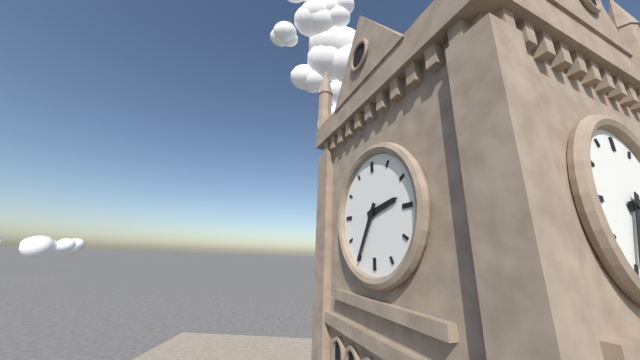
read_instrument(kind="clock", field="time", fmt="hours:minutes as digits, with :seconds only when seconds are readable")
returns 2:35
